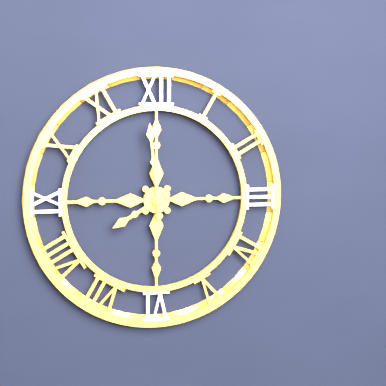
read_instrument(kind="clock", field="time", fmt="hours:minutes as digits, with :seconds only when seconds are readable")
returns 7:59
